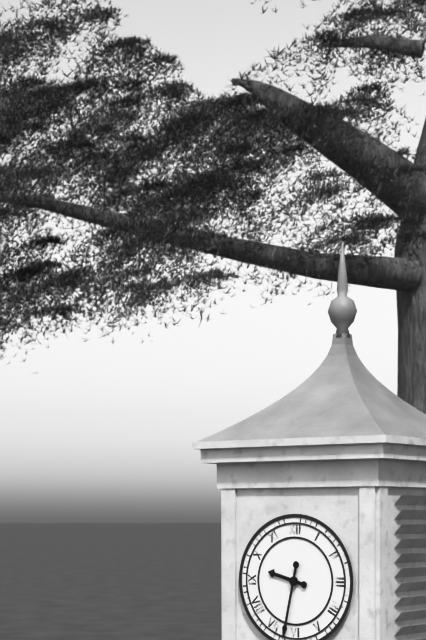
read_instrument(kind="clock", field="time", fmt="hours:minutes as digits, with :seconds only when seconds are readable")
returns 9:32
